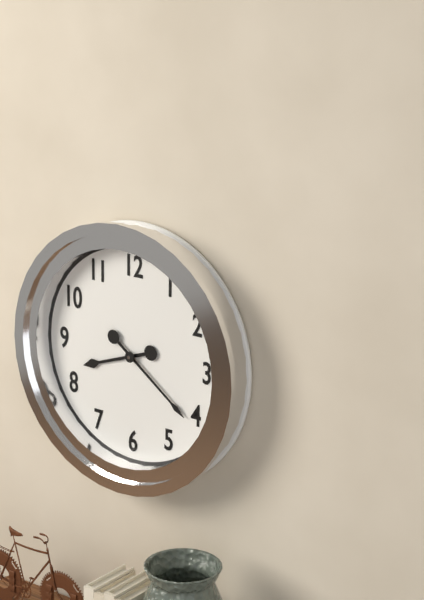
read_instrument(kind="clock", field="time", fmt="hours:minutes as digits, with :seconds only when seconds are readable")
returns 8:21
